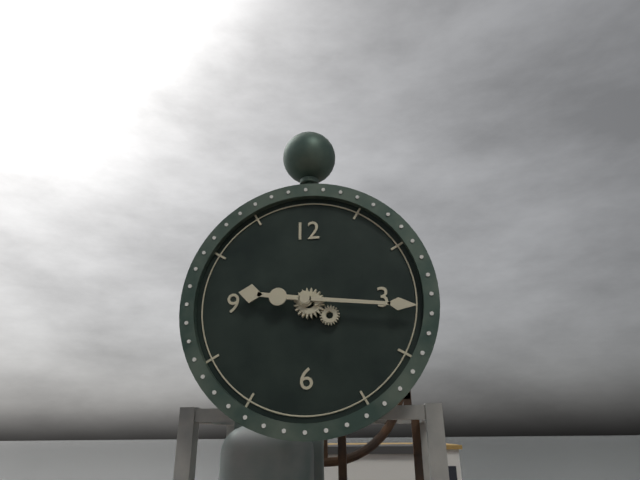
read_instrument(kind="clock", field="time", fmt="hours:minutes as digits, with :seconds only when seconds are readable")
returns 9:16
